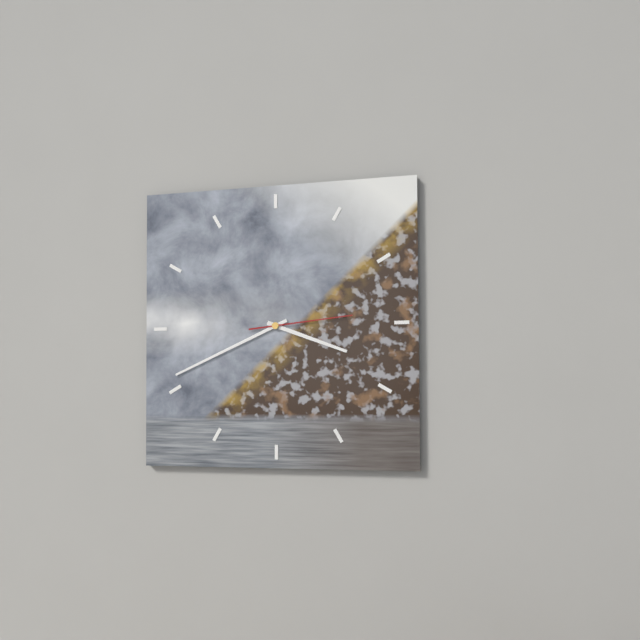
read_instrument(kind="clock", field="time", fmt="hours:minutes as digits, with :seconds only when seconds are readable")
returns 3:41:14
